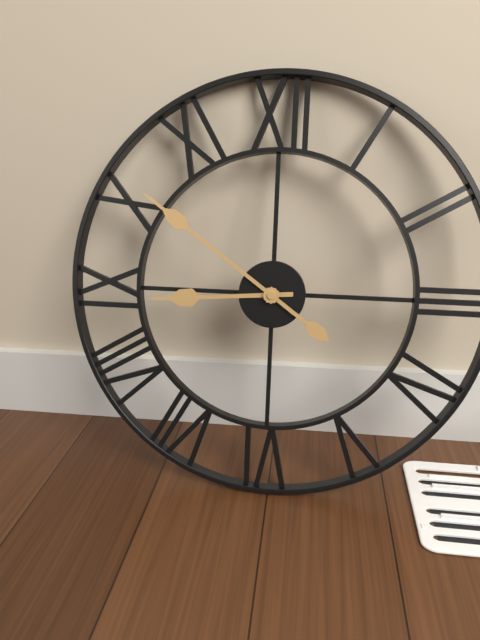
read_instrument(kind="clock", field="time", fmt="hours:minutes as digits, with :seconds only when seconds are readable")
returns 8:51
